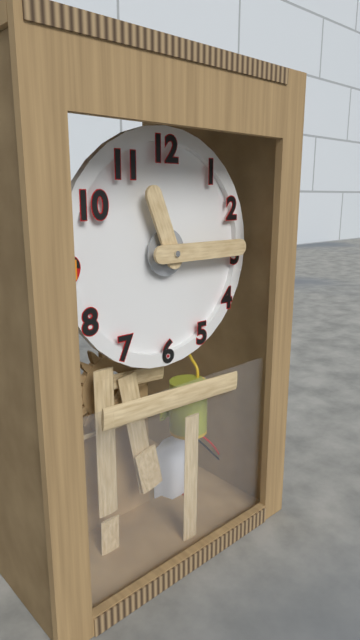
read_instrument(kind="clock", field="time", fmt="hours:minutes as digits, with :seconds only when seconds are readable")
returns 11:15
